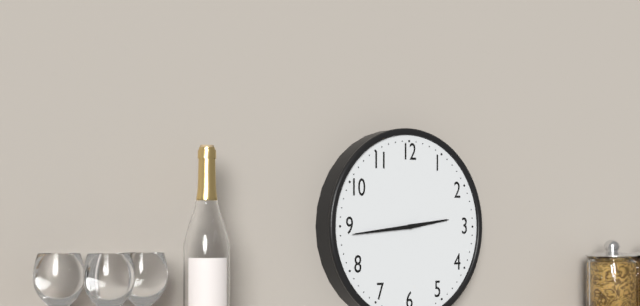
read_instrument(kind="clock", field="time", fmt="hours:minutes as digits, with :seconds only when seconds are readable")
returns 2:44
